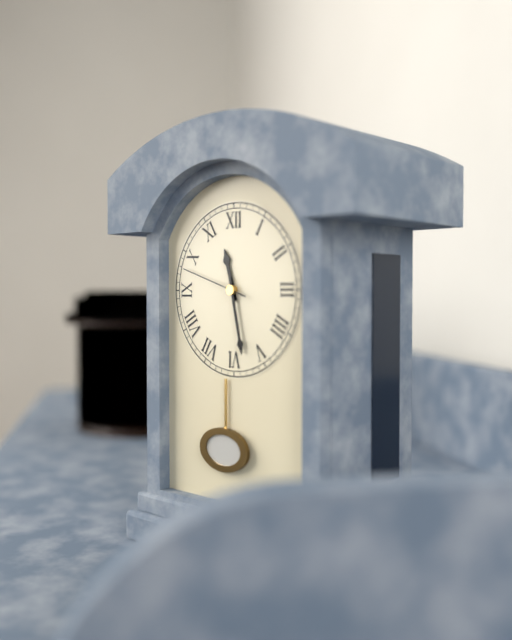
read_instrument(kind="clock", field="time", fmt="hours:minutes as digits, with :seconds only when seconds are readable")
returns 11:28:48
